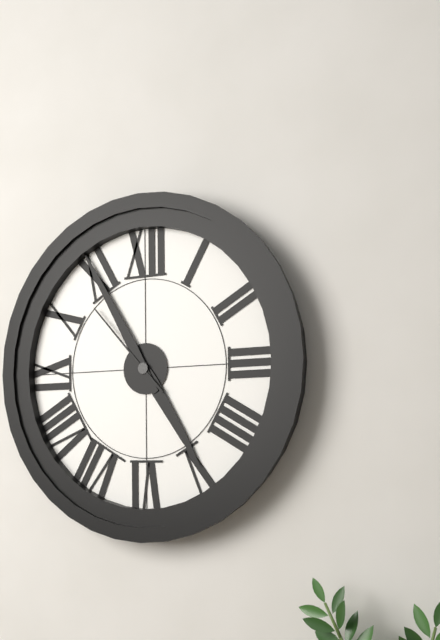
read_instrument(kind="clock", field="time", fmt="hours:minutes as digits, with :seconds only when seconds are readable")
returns 4:55:53
